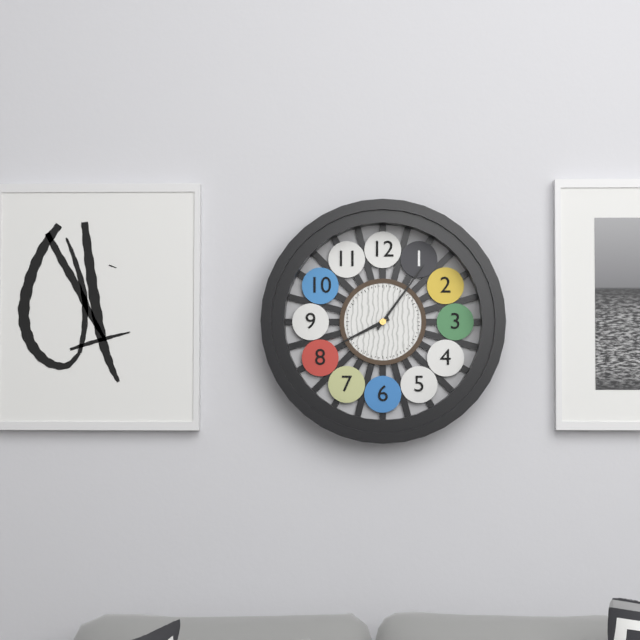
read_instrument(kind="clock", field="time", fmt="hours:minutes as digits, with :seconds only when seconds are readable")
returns 8:06
